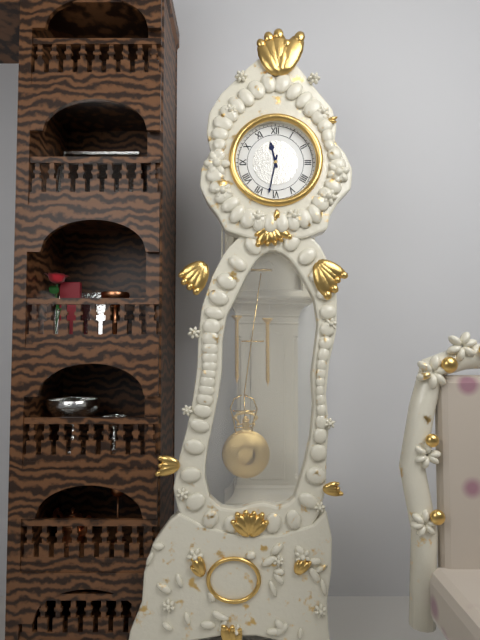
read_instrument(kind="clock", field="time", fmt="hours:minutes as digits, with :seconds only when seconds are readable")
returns 11:32
